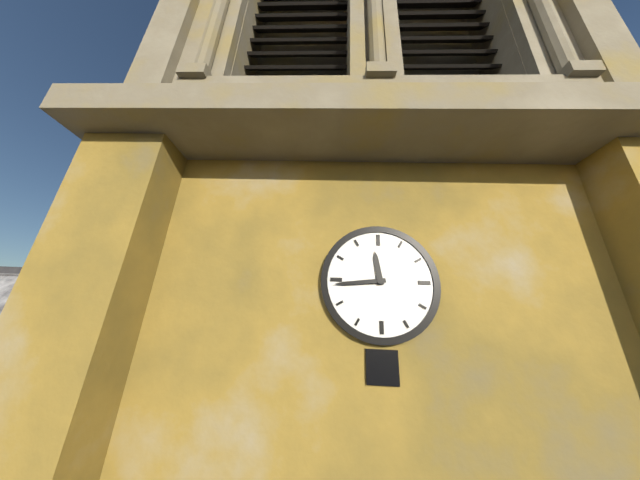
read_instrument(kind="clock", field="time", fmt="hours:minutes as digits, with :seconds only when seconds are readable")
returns 11:44
